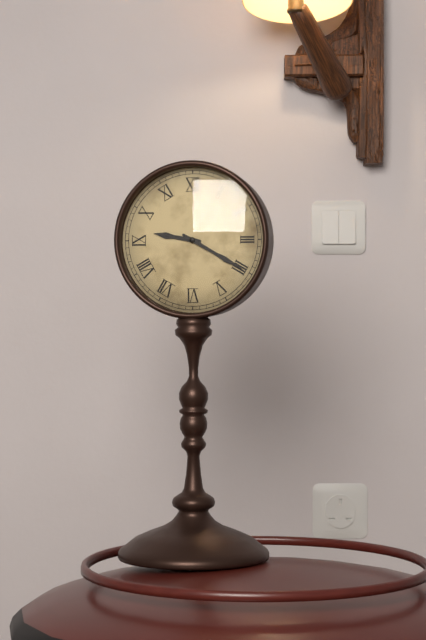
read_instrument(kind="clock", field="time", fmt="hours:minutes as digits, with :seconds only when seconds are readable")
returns 9:20
